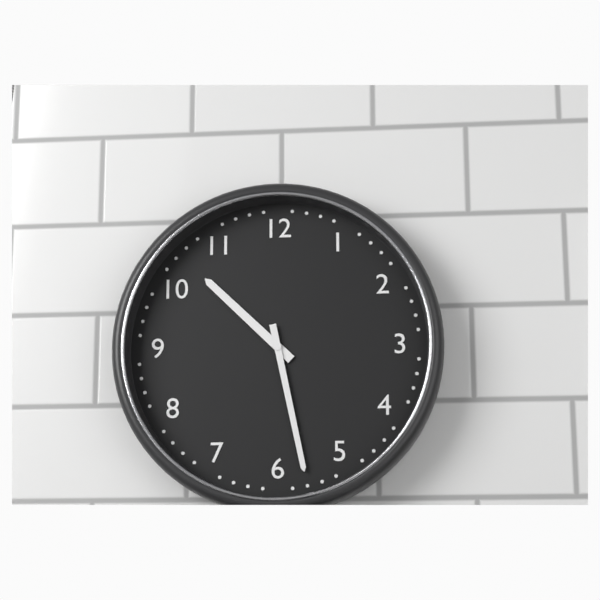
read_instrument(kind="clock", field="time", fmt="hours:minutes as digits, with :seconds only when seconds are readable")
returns 10:28
